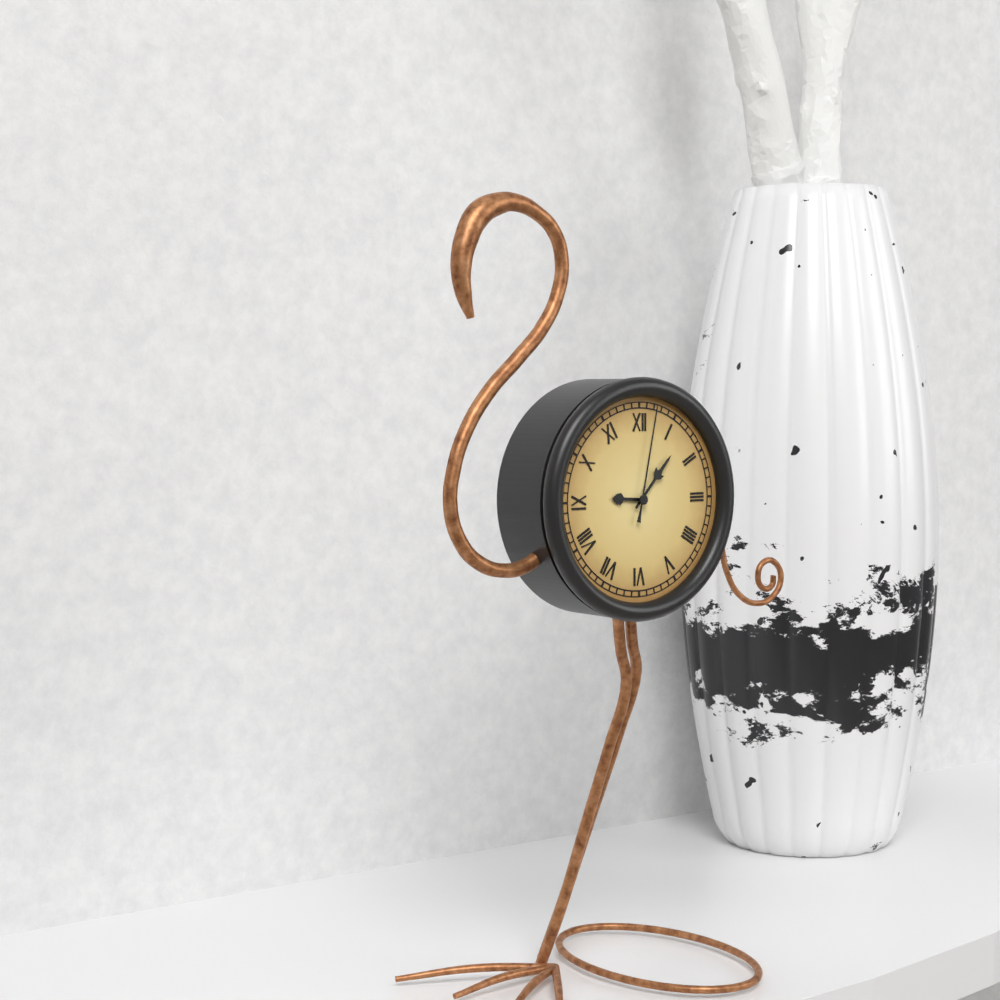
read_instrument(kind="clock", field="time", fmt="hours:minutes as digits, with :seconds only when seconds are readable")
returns 9:07:02
